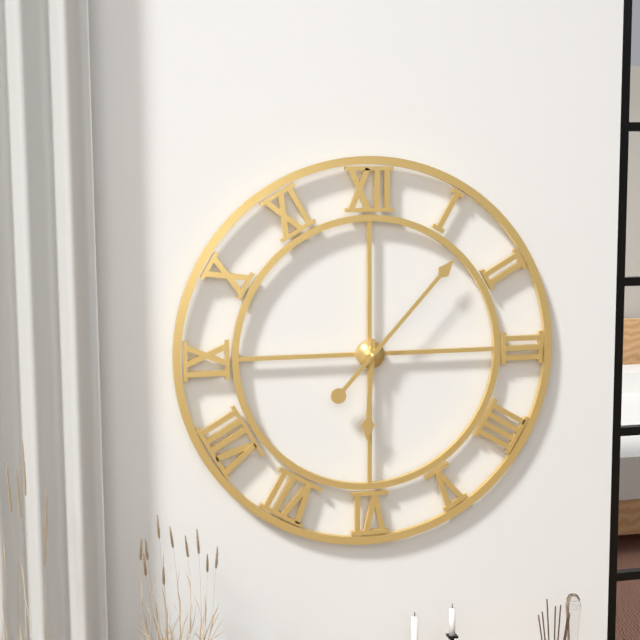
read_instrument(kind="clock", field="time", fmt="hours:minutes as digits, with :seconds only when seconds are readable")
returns 6:07
